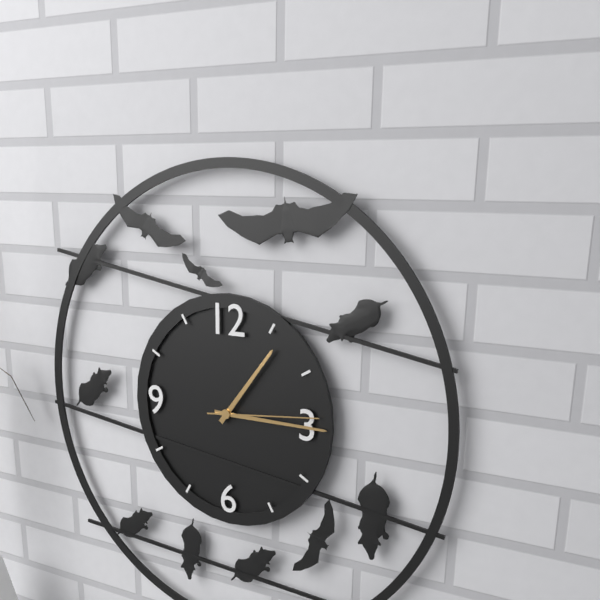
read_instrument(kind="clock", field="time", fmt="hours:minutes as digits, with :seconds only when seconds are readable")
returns 1:15:14
